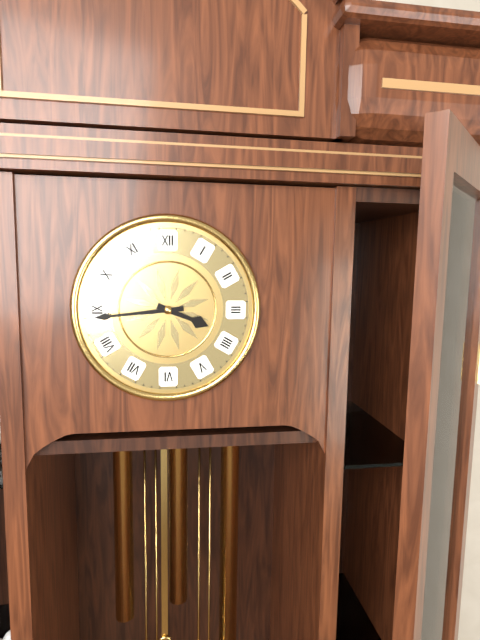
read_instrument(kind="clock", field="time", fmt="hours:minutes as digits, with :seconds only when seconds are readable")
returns 3:44
